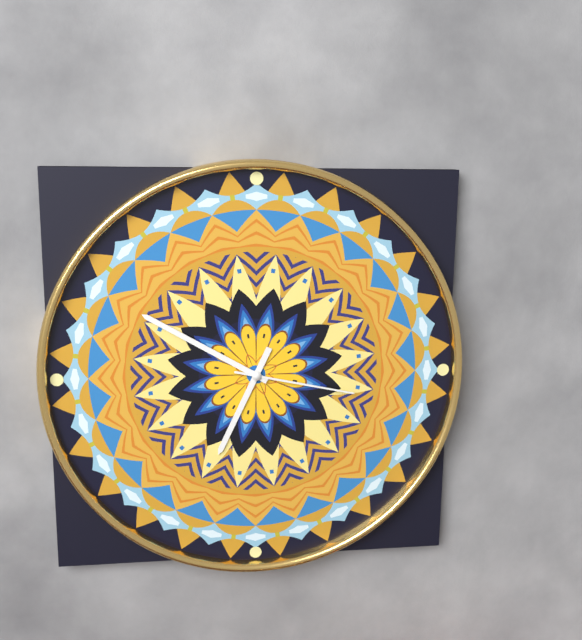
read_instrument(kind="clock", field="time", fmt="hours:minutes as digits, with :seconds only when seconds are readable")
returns 6:50:17
